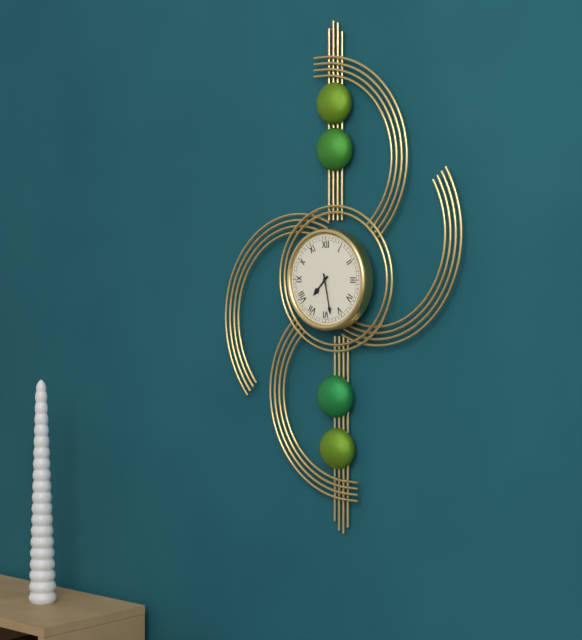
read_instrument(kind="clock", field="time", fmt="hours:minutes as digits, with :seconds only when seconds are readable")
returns 7:28
